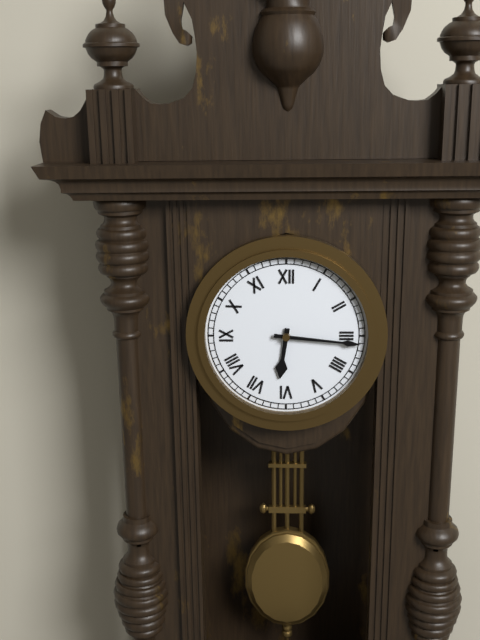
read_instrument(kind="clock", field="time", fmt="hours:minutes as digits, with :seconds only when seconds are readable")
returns 6:16
